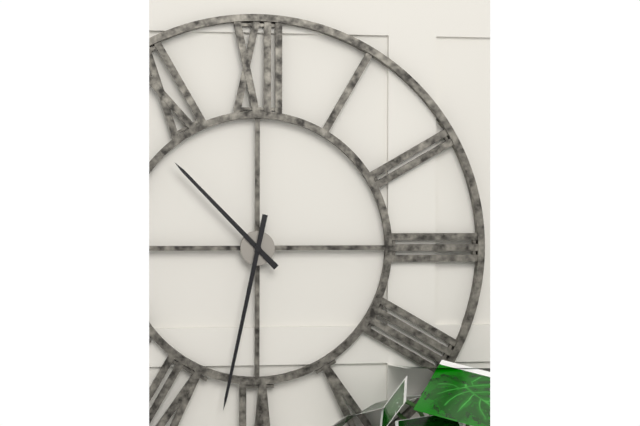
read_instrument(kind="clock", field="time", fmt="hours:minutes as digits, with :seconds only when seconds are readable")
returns 10:32
